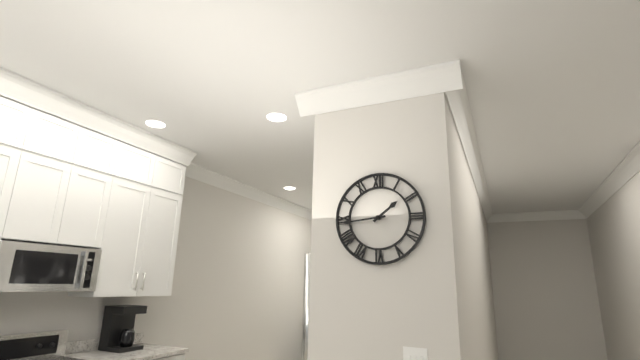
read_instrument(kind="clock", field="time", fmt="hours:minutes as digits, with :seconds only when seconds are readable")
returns 1:44
